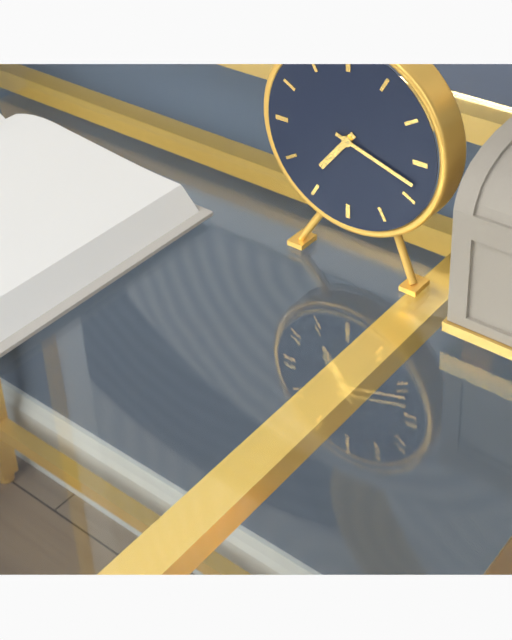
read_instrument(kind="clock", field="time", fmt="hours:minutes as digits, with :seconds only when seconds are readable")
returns 7:18
